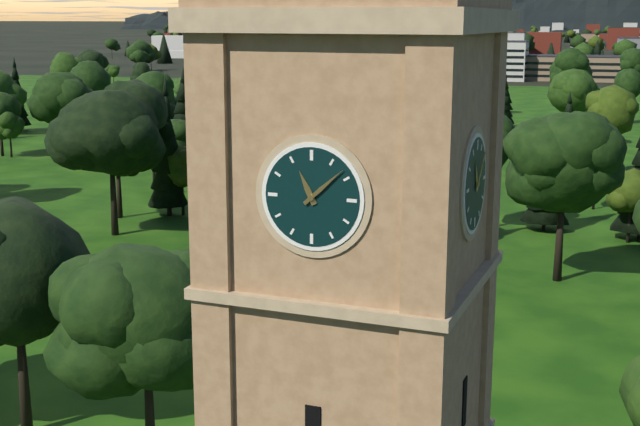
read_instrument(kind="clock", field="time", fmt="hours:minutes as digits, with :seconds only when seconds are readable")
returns 11:08
